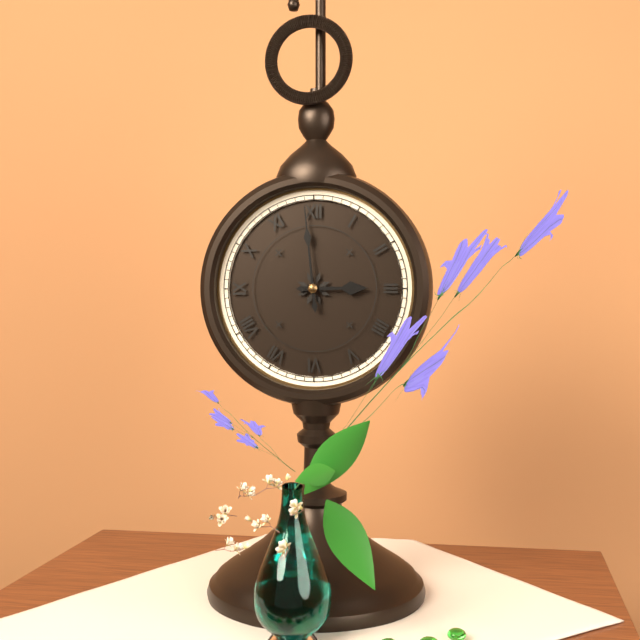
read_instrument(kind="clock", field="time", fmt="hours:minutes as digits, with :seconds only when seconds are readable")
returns 2:59
